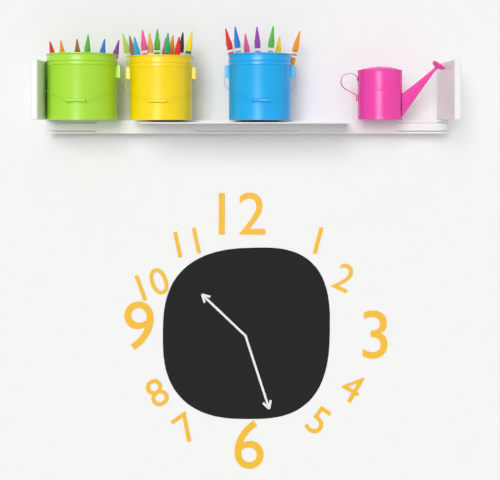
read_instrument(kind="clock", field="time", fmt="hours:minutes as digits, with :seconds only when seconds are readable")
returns 10:27
